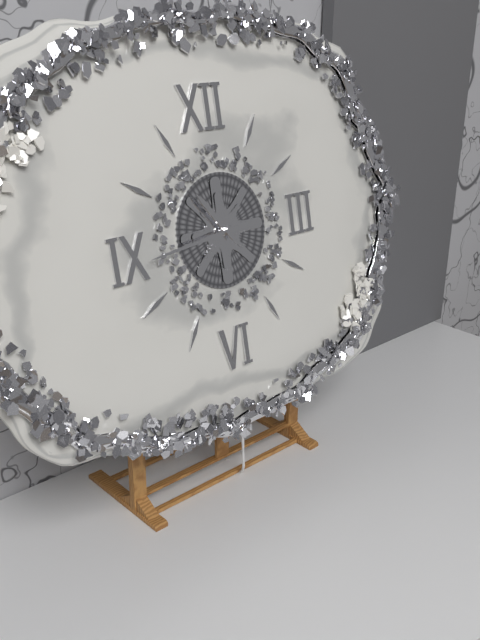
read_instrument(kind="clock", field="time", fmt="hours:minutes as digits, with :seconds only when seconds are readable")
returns 10:44
